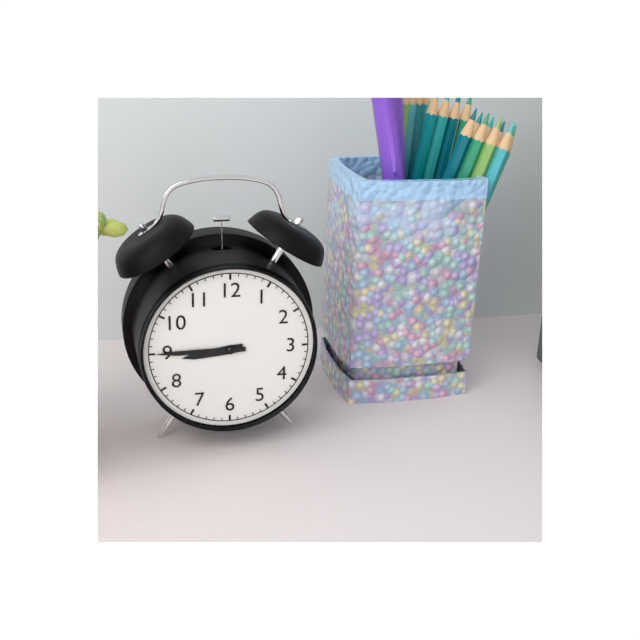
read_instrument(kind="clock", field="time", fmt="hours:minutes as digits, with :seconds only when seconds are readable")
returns 8:45
